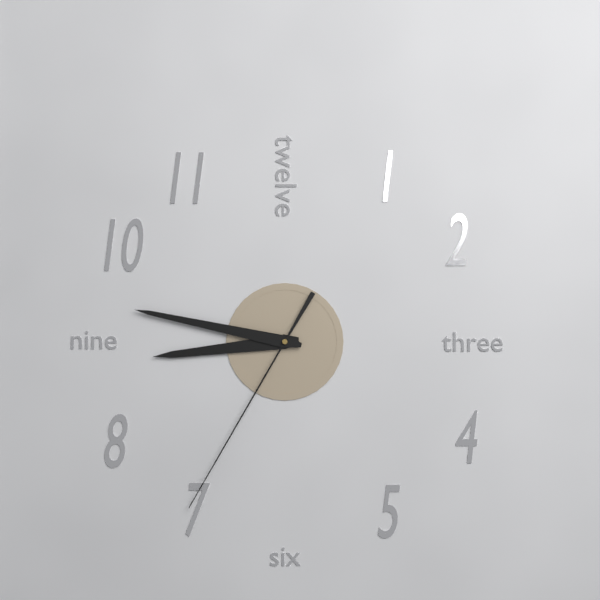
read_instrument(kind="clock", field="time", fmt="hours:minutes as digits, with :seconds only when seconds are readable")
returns 8:47:35
